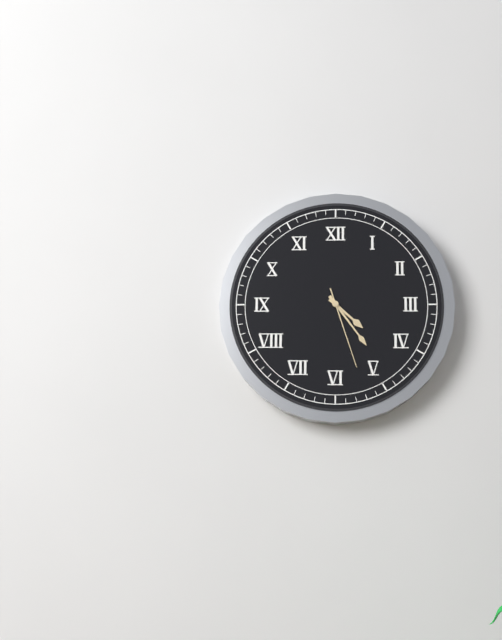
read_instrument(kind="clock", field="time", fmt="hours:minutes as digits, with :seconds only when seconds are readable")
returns 4:24:27
